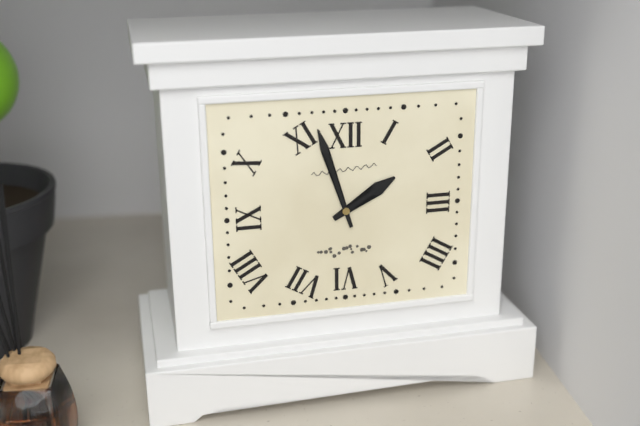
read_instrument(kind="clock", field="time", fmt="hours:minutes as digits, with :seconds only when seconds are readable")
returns 1:57
